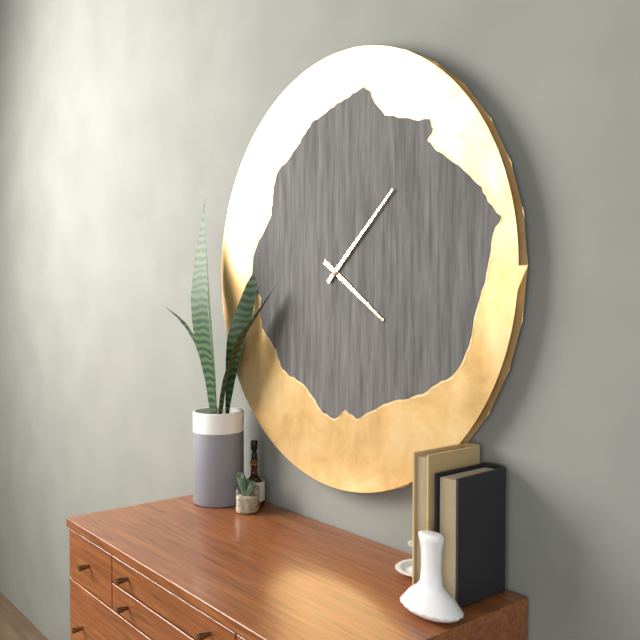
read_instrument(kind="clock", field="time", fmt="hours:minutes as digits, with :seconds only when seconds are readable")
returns 4:08
